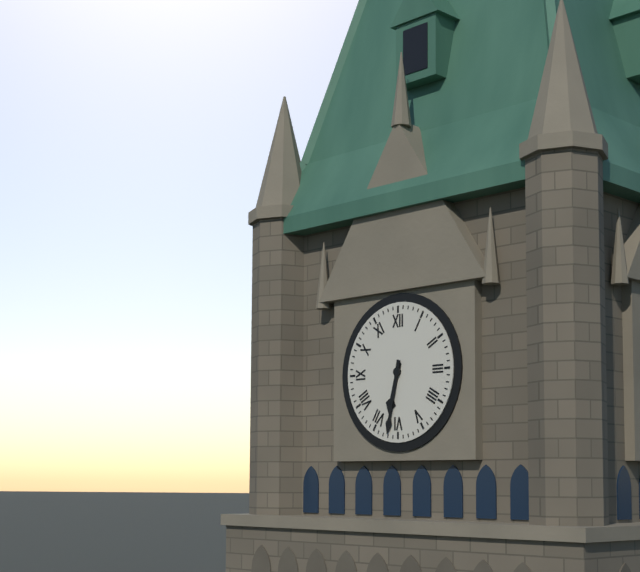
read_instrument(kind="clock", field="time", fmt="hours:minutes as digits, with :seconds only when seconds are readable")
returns 6:32
